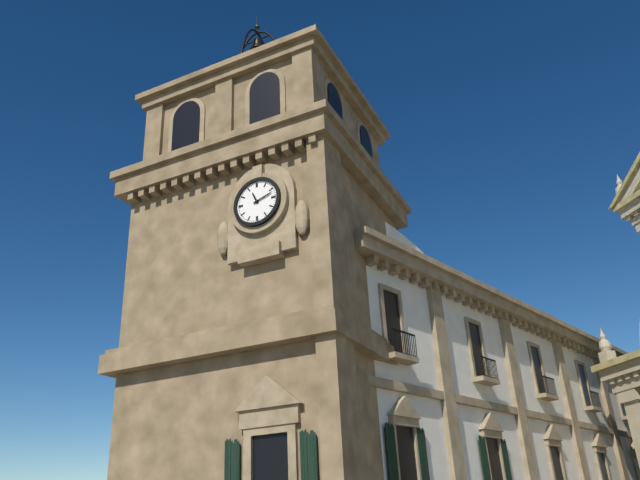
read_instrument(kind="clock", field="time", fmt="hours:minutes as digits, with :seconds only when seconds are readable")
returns 11:12
